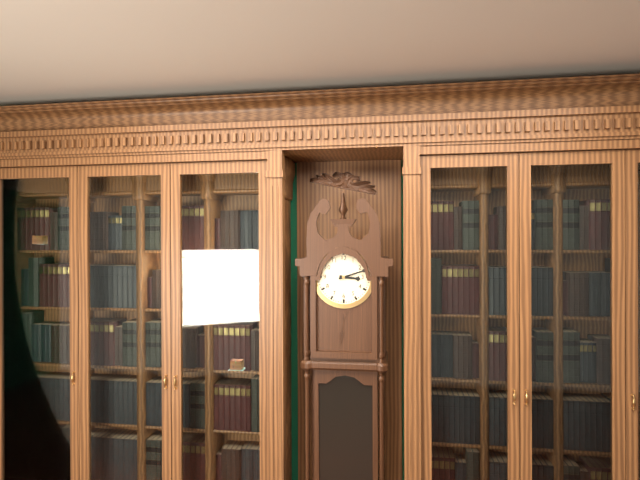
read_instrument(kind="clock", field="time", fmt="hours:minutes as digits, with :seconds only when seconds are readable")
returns 3:12
